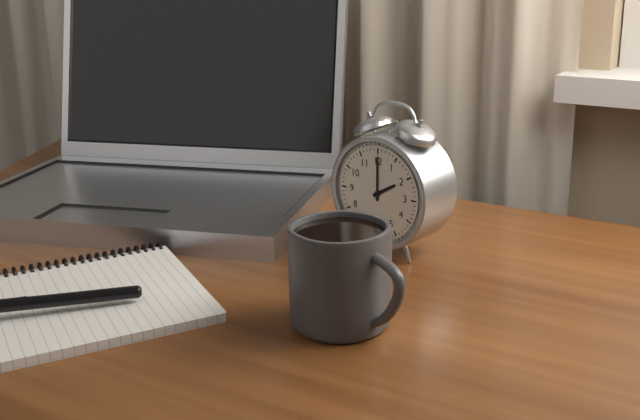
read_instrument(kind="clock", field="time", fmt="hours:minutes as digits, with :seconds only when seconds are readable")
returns 2:00
